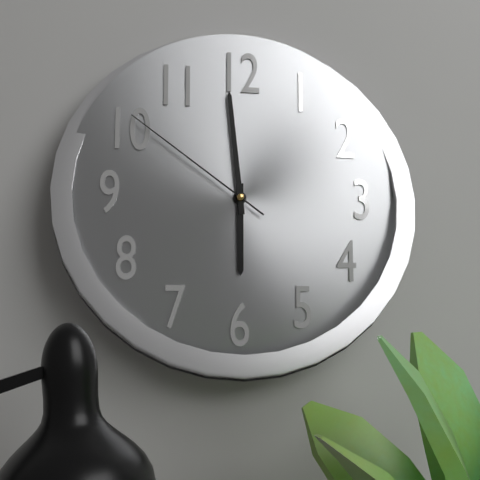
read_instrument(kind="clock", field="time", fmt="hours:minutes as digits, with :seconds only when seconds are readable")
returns 5:59:51
